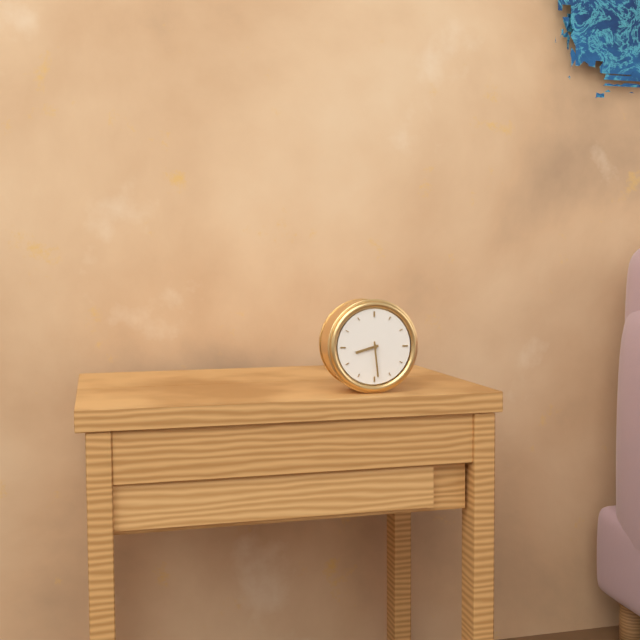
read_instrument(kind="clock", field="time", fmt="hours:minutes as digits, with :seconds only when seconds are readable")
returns 8:29
